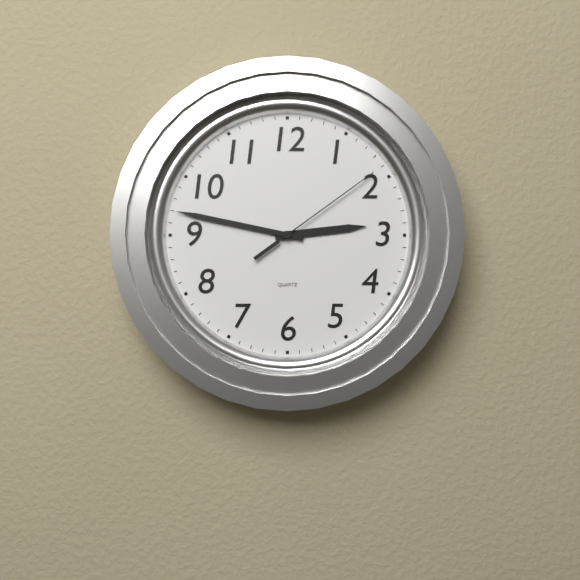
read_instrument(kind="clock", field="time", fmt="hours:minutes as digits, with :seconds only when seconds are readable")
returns 2:47:09
